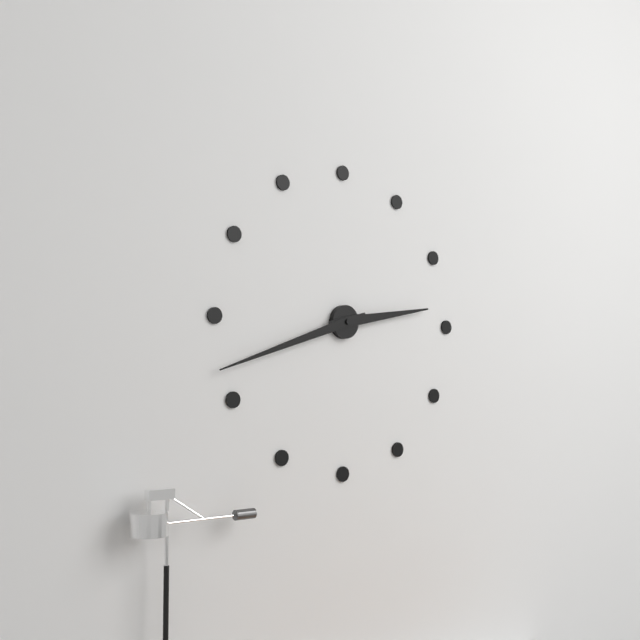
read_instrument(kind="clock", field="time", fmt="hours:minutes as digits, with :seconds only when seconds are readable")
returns 2:42
